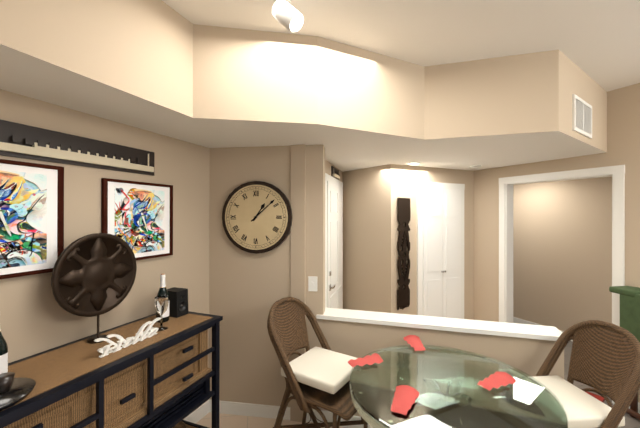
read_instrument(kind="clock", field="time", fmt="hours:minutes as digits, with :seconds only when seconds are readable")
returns 1:08
